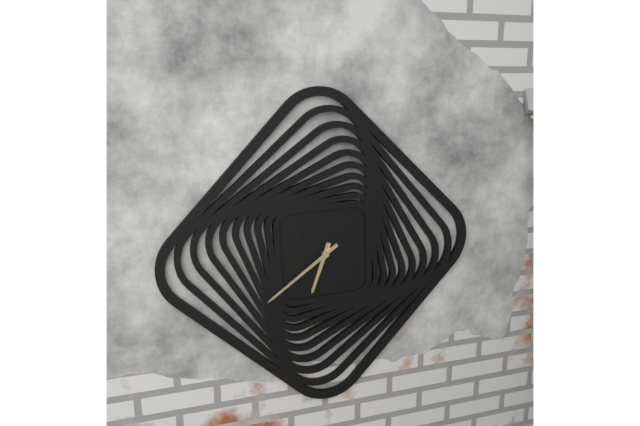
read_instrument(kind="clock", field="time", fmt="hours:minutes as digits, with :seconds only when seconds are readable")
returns 6:39
